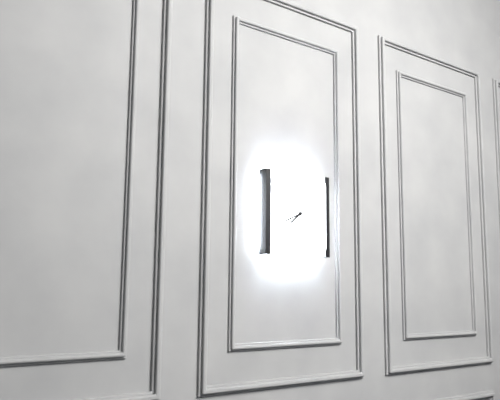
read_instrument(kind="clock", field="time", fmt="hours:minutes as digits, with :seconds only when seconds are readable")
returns 7:41
